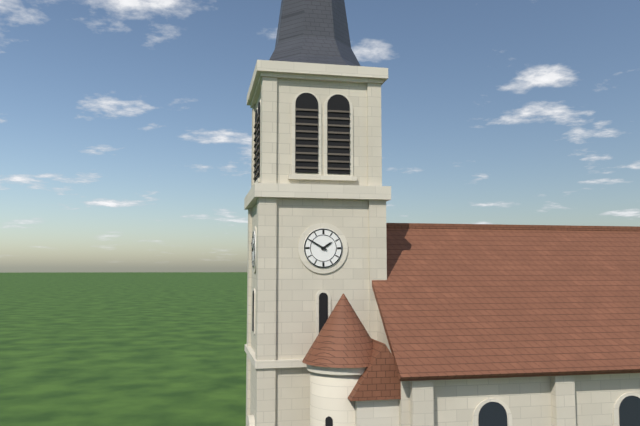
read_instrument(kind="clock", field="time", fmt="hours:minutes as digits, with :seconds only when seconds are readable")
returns 1:50
